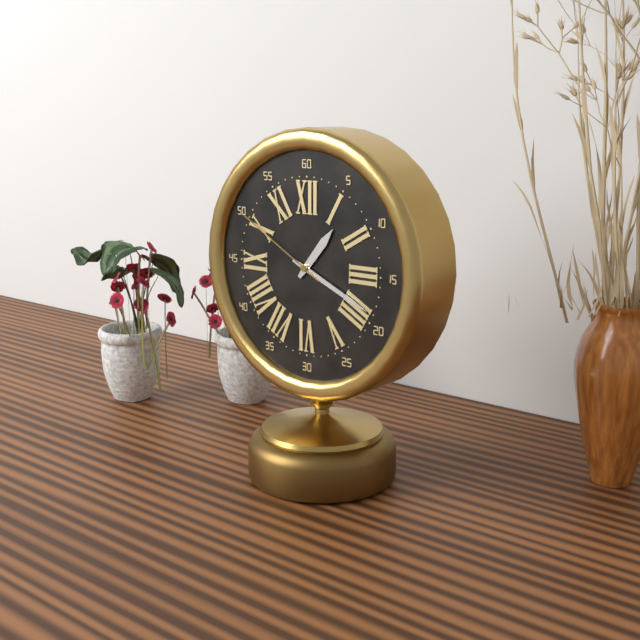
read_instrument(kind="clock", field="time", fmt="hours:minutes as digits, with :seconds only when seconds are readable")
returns 1:19:50
